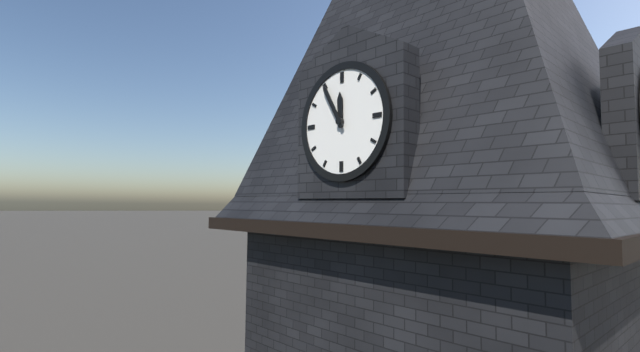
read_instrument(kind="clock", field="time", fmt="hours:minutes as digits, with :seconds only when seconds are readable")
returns 11:55
